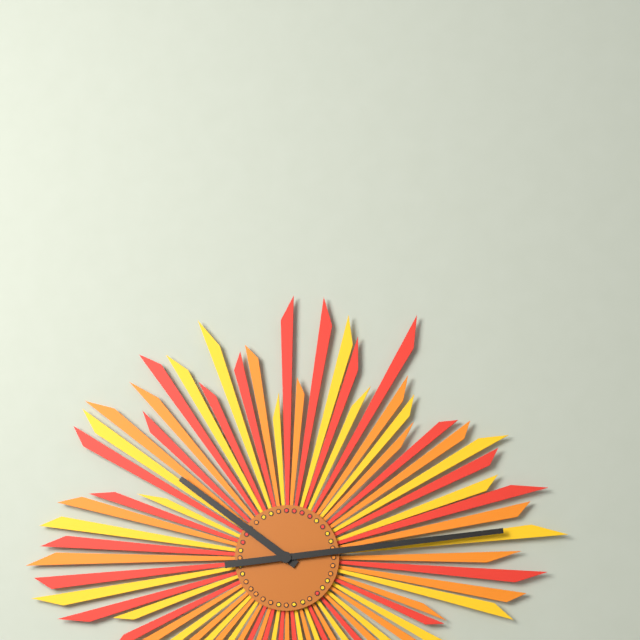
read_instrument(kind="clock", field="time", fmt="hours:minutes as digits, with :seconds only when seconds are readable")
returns 10:14
